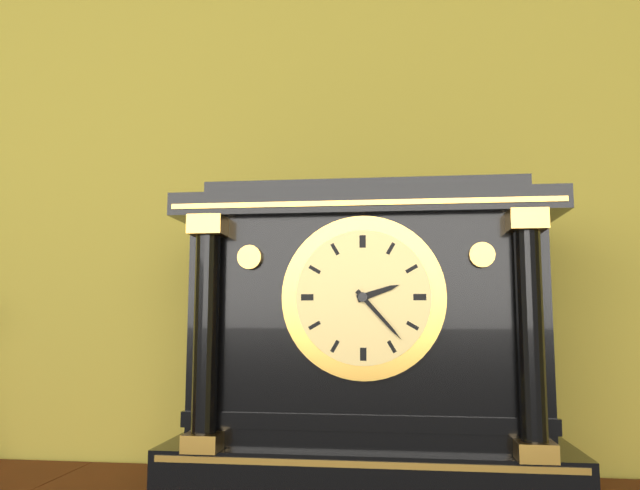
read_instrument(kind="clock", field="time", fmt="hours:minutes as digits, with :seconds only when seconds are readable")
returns 2:23
